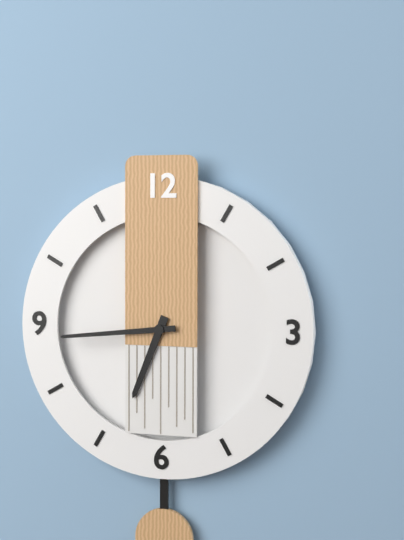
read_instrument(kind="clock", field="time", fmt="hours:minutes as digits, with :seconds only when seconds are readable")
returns 6:44
